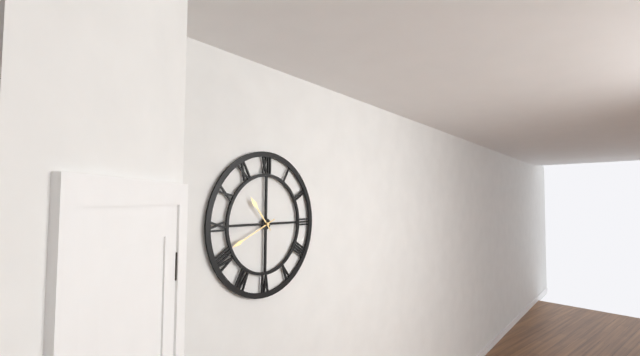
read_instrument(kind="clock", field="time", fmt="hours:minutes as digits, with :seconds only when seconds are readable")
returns 10:41
